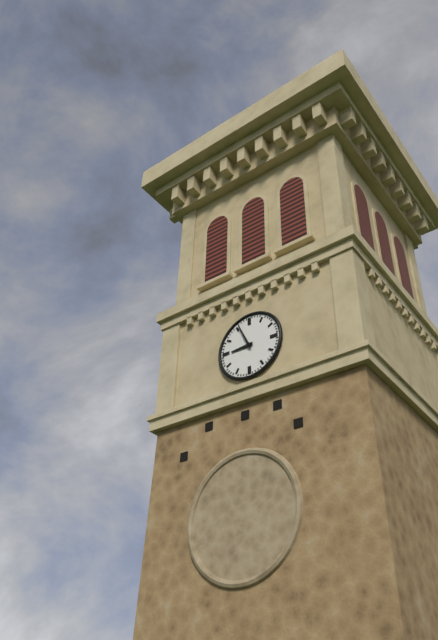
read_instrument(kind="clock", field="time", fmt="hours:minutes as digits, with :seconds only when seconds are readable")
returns 8:56
